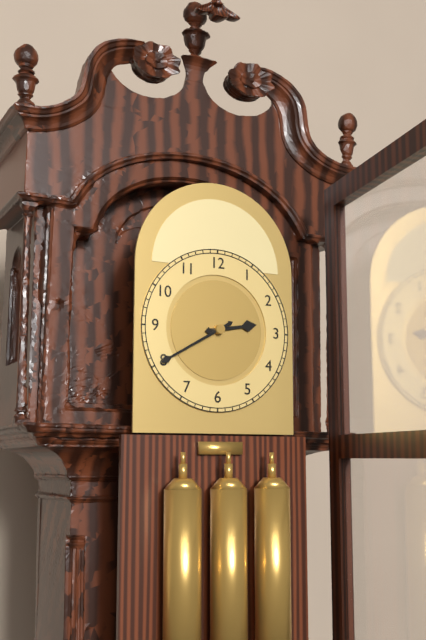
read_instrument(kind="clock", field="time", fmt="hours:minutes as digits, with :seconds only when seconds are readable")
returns 2:40
